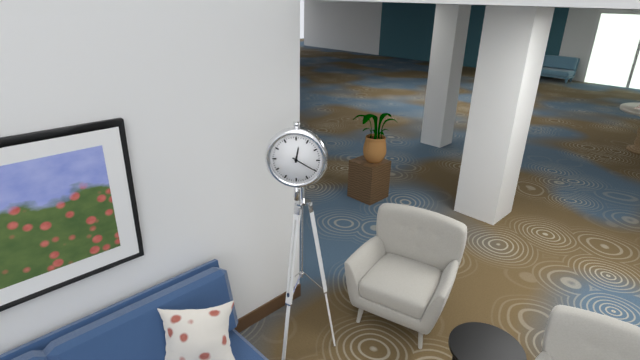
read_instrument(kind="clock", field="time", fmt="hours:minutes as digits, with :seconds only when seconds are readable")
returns 12:20
